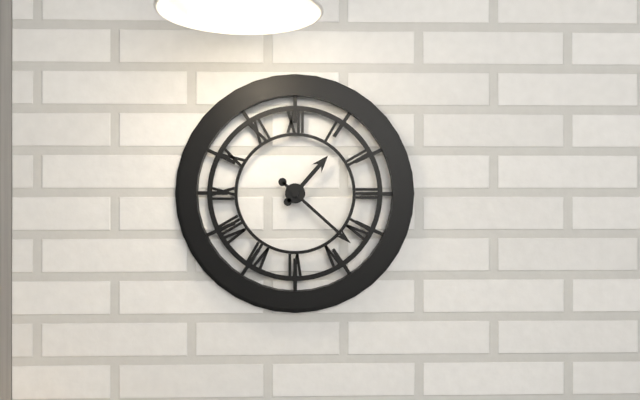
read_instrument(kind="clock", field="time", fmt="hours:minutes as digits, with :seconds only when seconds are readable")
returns 1:22
